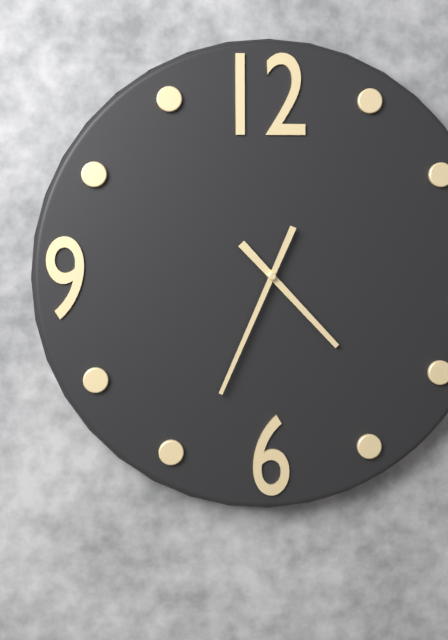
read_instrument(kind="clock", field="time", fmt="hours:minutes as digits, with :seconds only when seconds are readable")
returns 4:34
